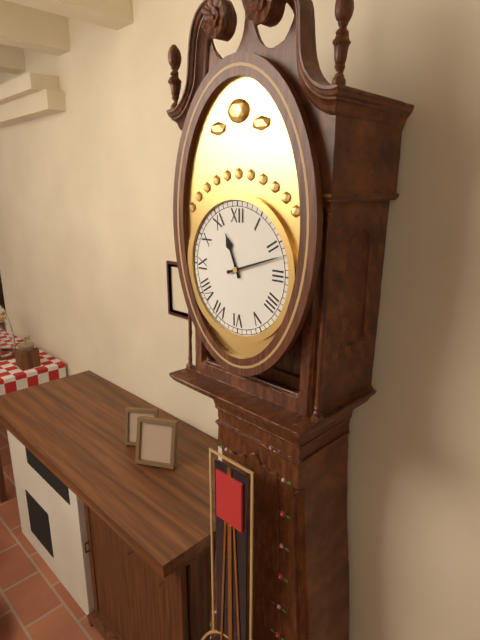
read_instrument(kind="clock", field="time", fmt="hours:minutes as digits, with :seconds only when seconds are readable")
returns 11:12
